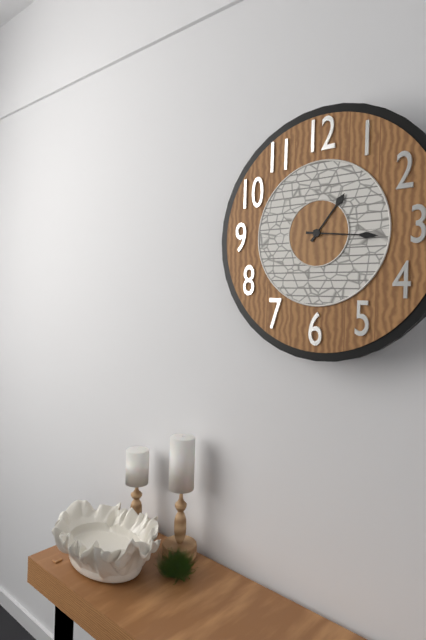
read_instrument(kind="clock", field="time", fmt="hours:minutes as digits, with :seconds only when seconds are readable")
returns 1:16
